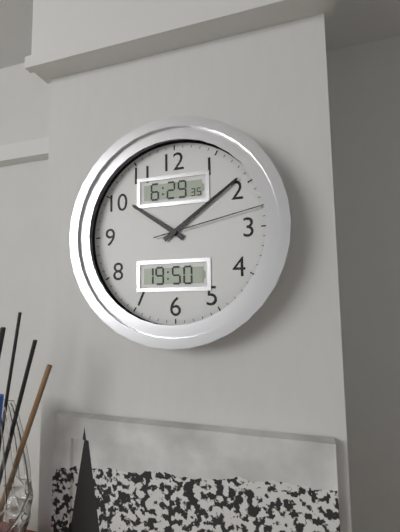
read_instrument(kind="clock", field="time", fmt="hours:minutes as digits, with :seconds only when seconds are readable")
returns 10:09:13
